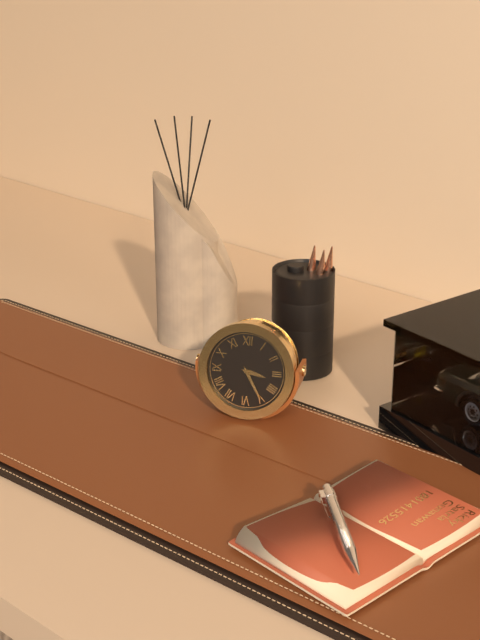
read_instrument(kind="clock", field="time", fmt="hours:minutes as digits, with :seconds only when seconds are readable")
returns 3:25
